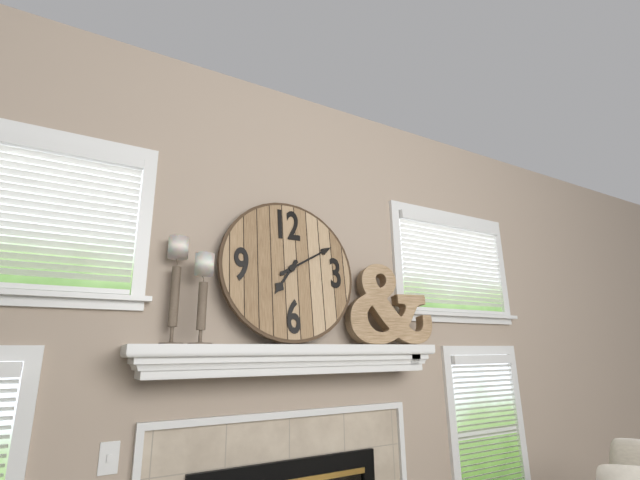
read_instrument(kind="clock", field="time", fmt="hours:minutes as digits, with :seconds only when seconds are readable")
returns 7:10
